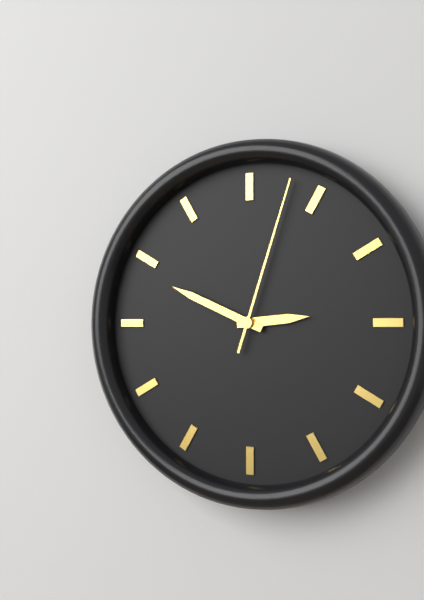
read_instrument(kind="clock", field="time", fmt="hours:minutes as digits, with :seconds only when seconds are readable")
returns 2:49:03
